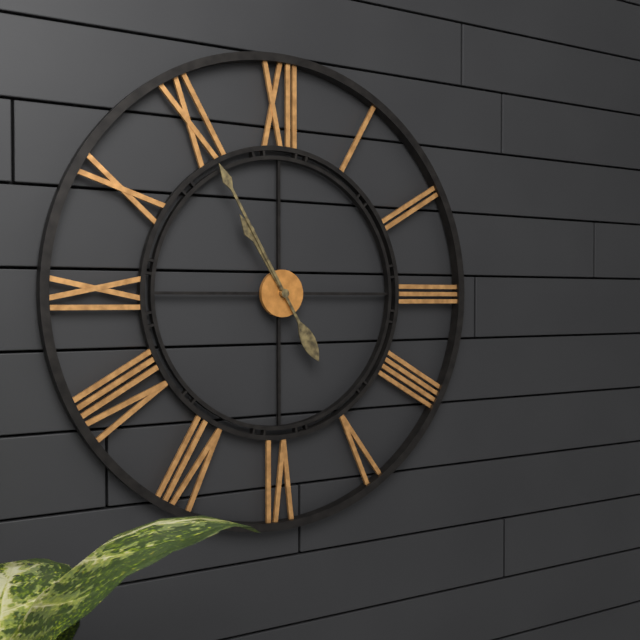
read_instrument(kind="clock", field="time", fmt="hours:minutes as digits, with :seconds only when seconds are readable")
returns 10:55
